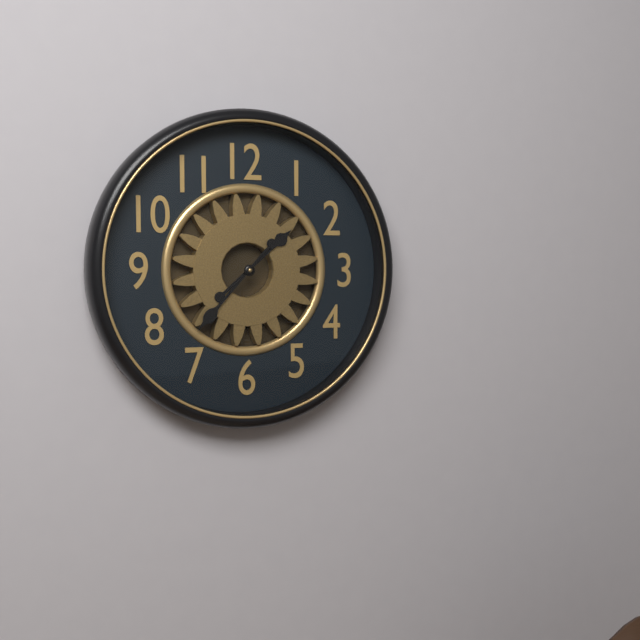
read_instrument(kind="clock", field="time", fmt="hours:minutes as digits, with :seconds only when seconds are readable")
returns 1:37
